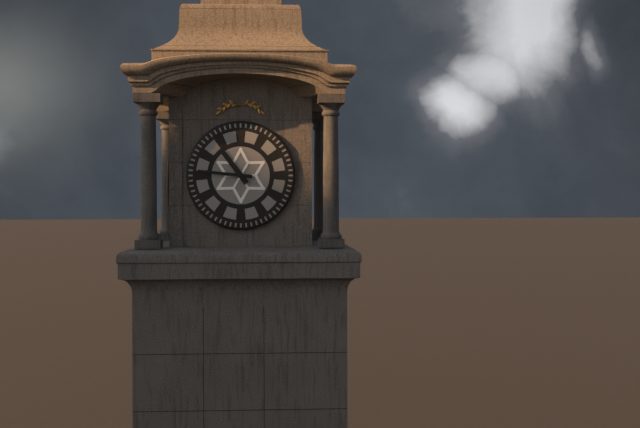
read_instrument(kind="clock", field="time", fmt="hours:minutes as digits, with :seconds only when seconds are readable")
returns 10:46
